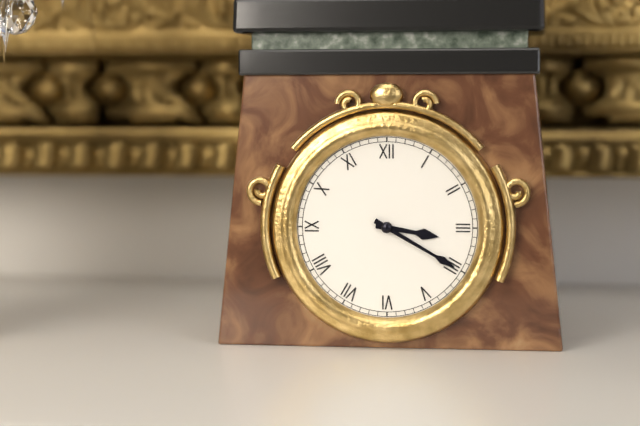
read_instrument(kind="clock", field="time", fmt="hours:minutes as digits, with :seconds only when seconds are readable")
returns 3:20
